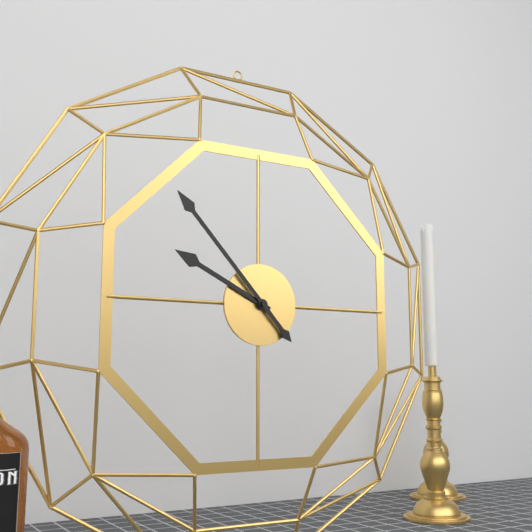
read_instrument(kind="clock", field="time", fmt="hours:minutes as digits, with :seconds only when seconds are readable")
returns 9:53
